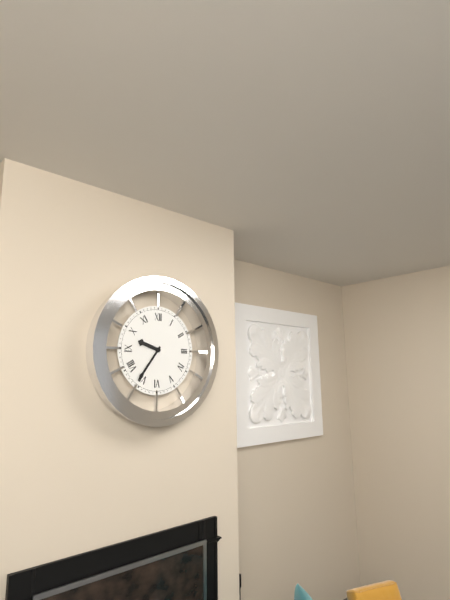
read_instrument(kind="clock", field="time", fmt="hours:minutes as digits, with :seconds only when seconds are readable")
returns 9:36
